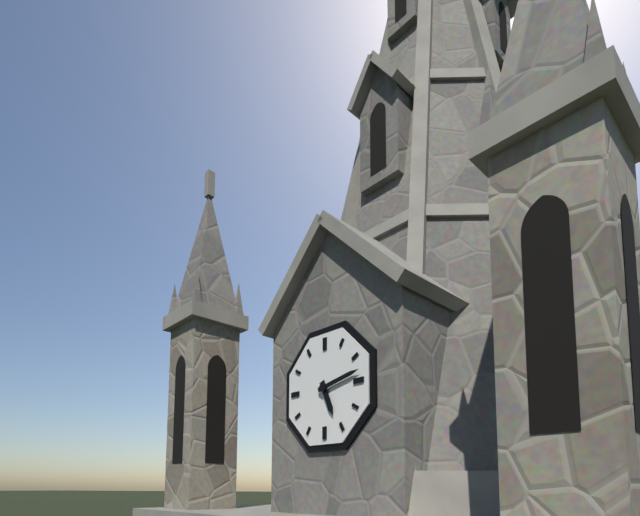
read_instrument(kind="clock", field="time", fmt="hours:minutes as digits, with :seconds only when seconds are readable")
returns 5:13
